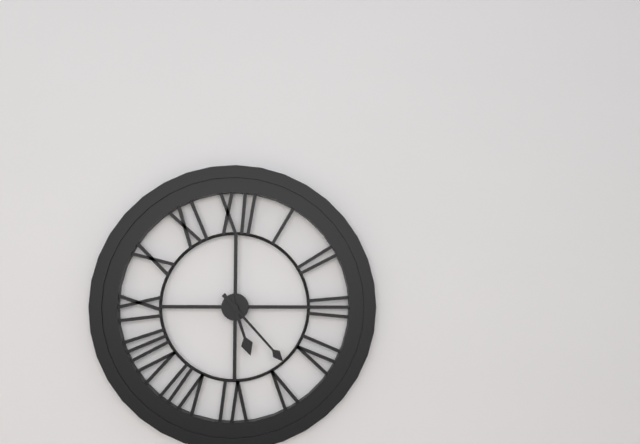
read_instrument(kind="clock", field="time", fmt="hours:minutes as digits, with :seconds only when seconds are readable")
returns 5:23
